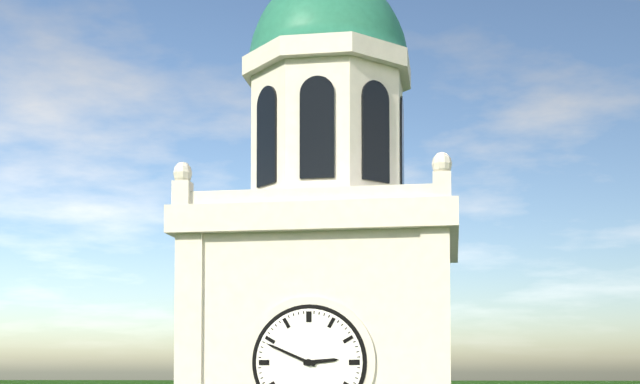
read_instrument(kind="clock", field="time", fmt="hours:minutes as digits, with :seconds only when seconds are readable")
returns 2:49
